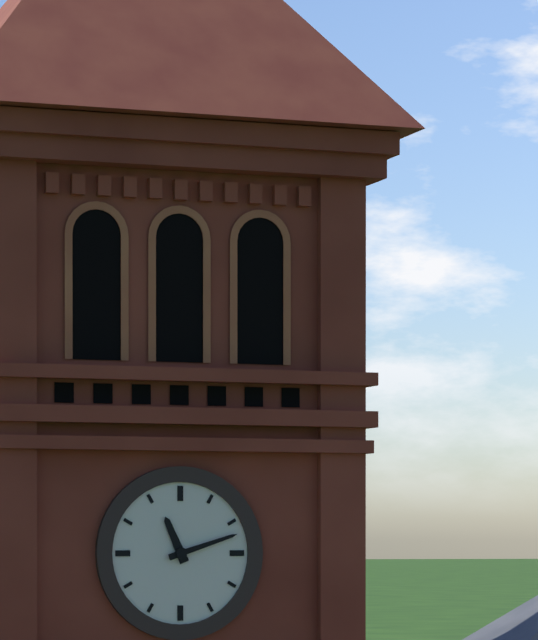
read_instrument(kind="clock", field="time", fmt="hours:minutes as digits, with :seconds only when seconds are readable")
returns 11:12
